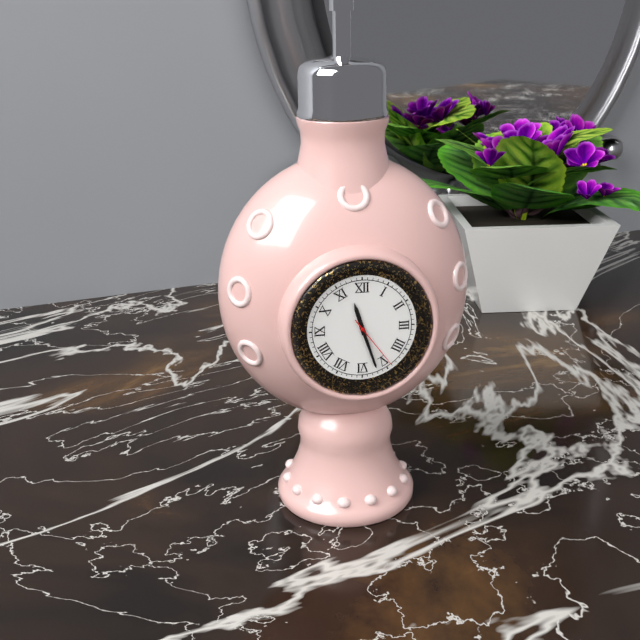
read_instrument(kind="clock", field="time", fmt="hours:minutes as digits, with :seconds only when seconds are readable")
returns 11:27:24
